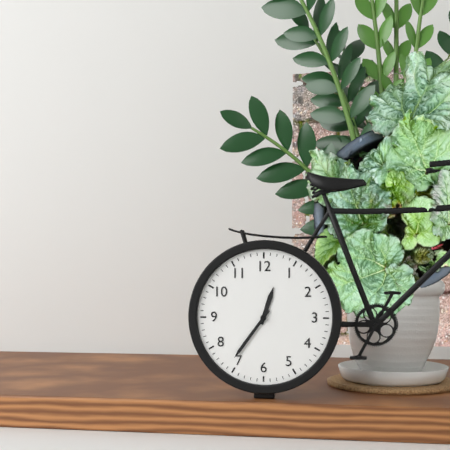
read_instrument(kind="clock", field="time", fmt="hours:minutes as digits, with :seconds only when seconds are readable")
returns 12:36
